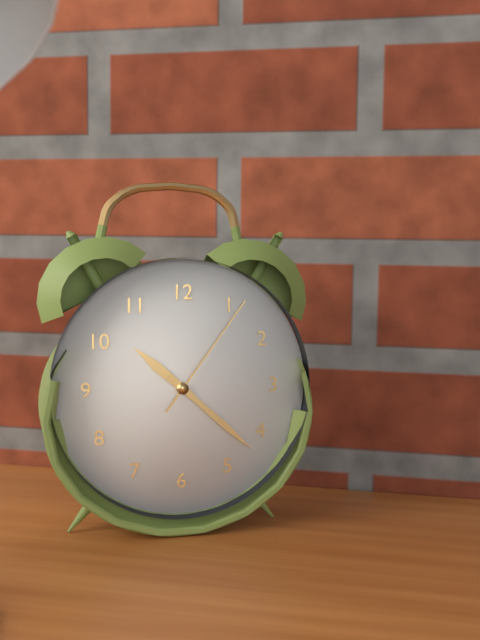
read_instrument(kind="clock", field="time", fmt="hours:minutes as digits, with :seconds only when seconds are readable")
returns 10:22:06
